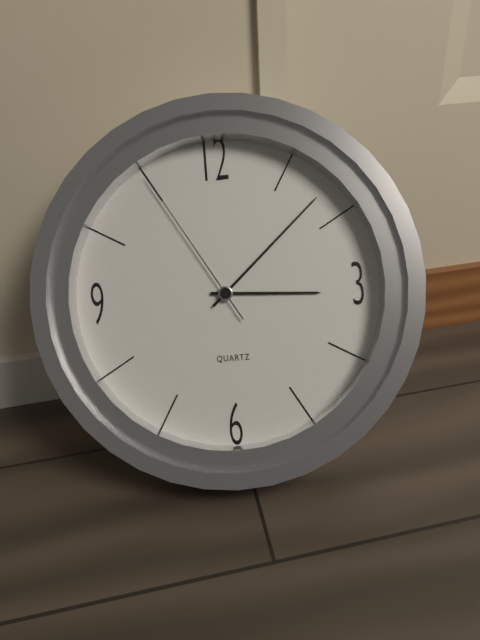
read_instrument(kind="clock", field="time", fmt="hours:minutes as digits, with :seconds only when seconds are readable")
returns 3:08:55
